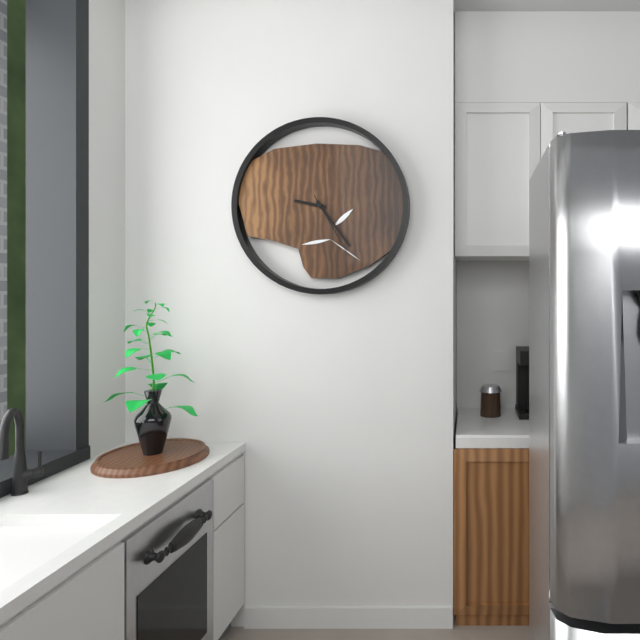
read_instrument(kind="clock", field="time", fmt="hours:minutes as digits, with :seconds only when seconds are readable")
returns 9:24:25
